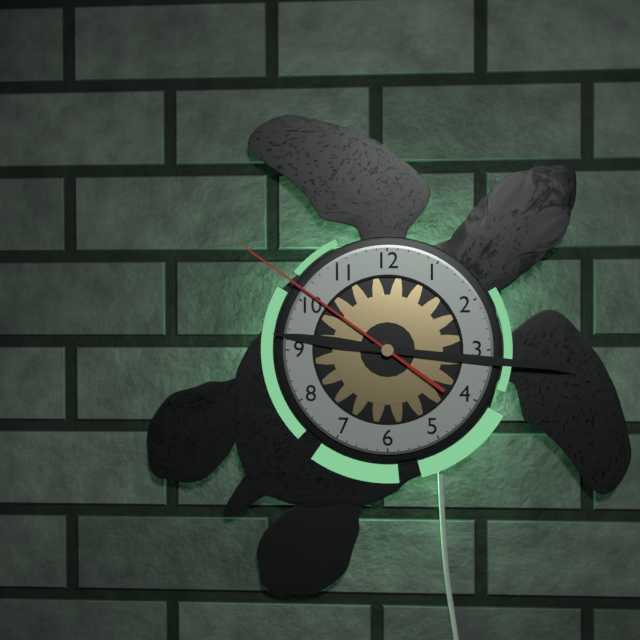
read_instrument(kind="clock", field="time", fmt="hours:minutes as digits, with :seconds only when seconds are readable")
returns 9:16:51
